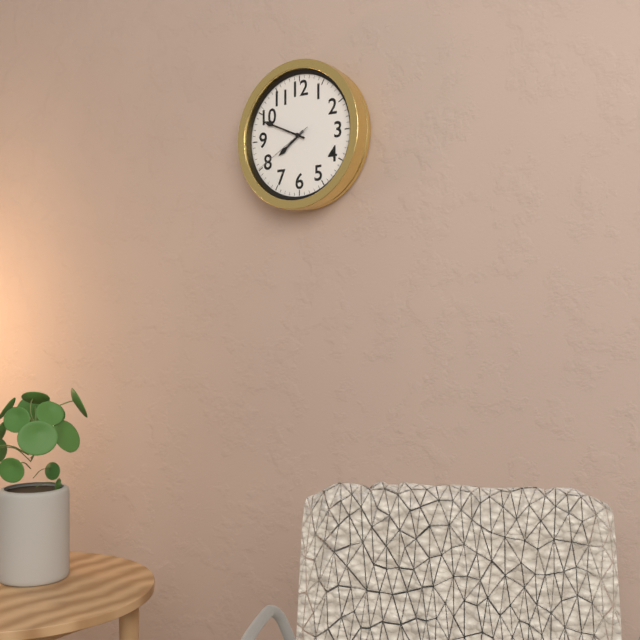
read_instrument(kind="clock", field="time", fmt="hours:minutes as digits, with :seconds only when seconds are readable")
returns 7:49:40
